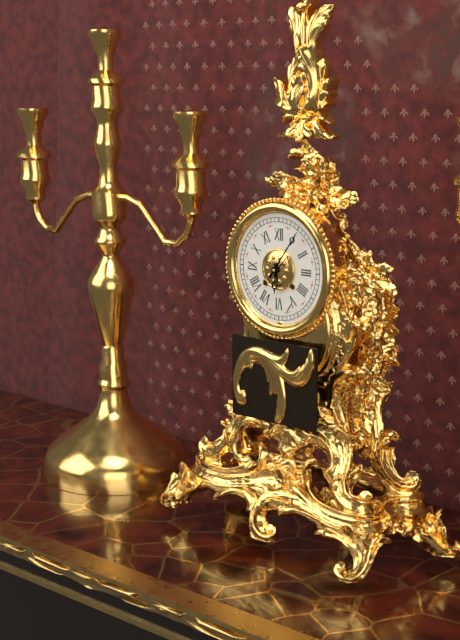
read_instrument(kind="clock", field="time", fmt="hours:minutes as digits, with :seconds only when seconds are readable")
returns 6:06
